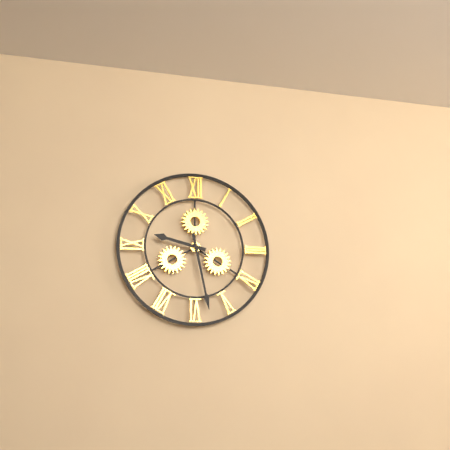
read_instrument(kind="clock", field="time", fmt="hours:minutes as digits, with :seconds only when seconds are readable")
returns 9:28
